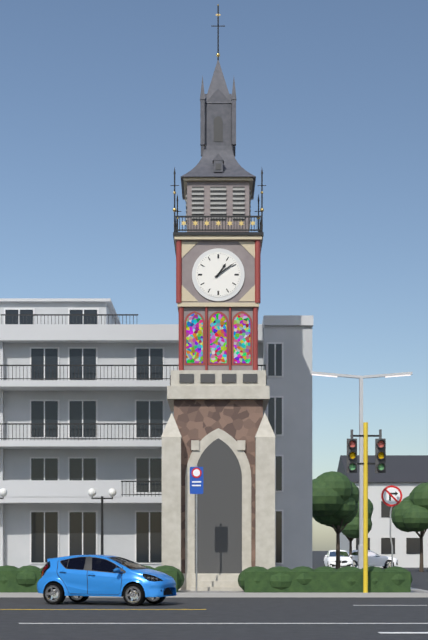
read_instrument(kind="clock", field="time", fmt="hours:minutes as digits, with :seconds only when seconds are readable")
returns 1:09
